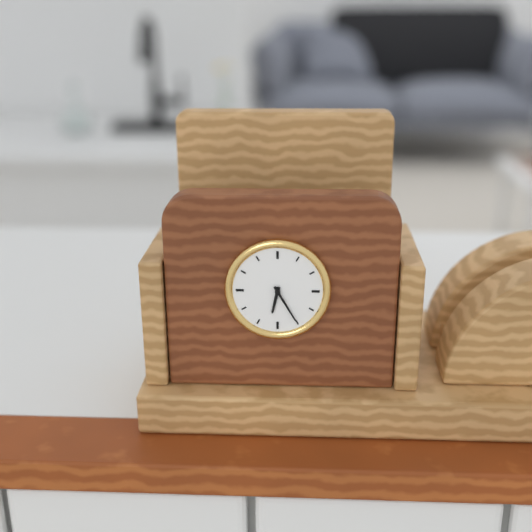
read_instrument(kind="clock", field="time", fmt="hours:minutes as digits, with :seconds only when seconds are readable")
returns 6:25
